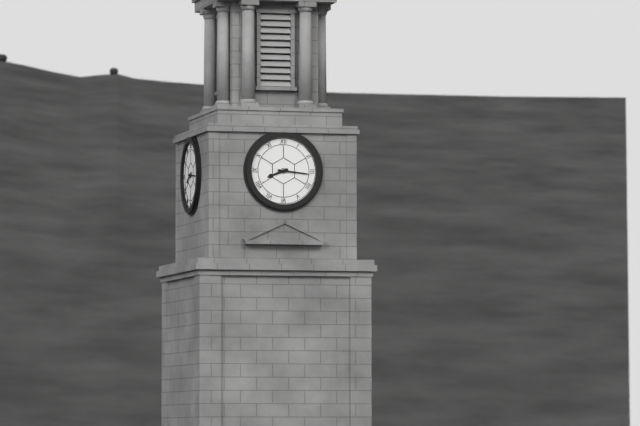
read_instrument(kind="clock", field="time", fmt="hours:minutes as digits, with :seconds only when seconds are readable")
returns 8:16
